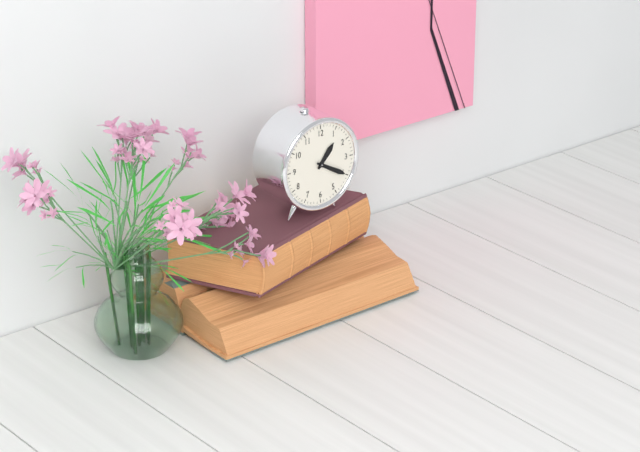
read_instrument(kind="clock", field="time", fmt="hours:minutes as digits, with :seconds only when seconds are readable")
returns 1:20
